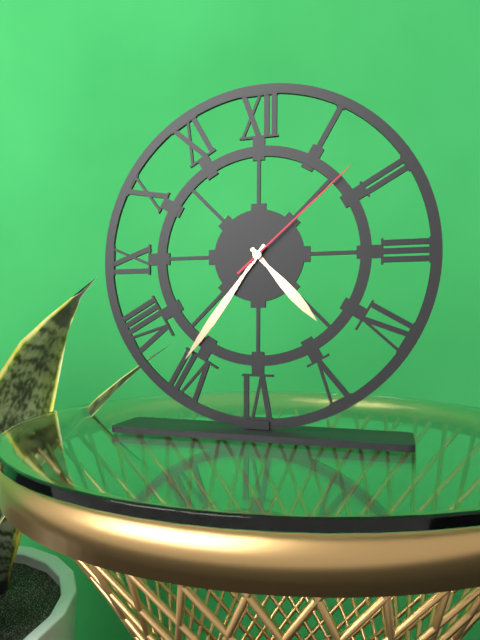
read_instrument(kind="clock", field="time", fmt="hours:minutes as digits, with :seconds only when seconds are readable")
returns 4:36:08
